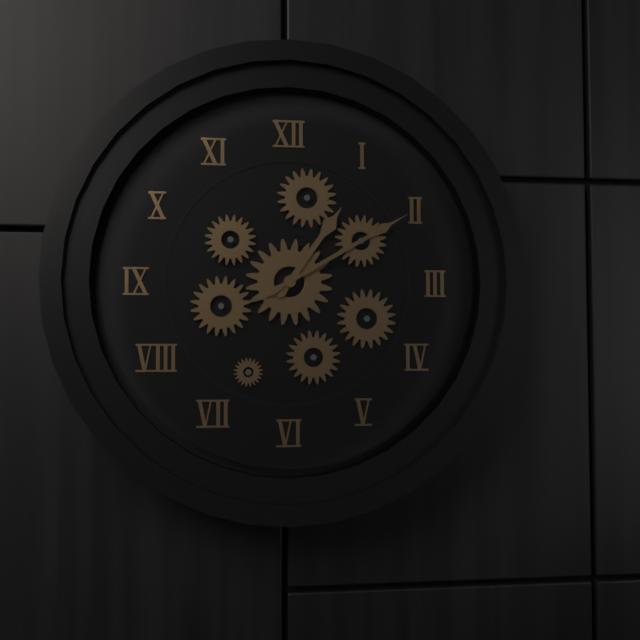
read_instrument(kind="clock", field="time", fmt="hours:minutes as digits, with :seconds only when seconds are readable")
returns 1:10
